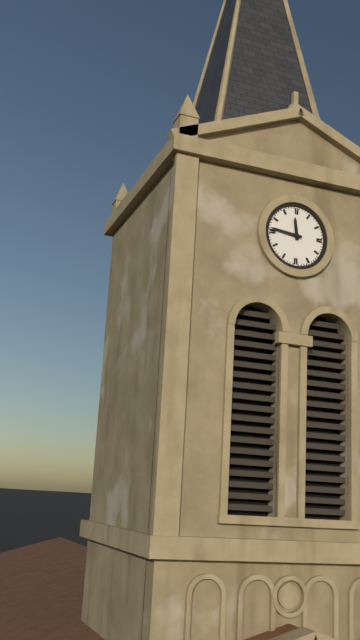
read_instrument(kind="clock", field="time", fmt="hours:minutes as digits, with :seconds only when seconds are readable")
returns 11:46
